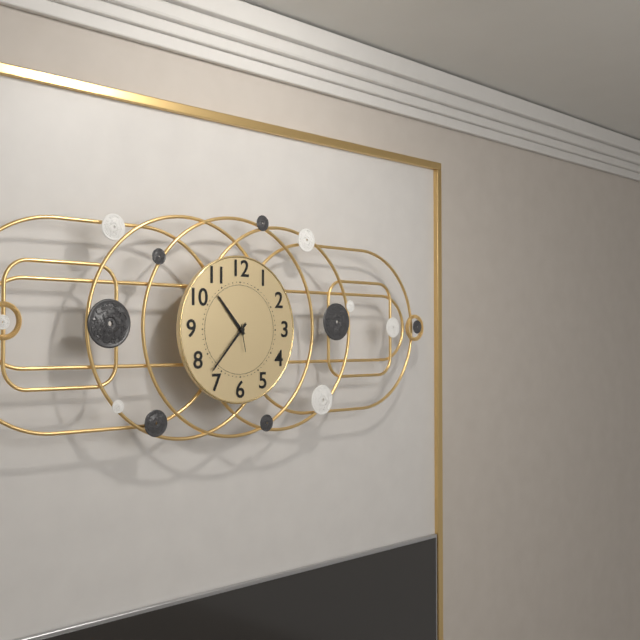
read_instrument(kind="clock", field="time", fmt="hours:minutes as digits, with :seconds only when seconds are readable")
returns 10:37
